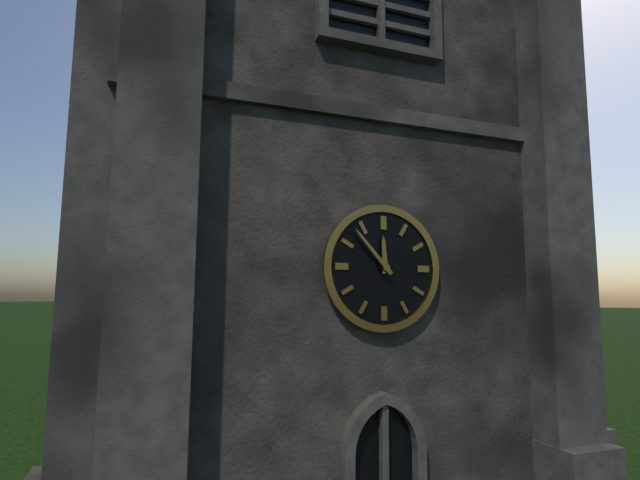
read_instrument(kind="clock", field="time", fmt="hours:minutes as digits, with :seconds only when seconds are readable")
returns 11:53
